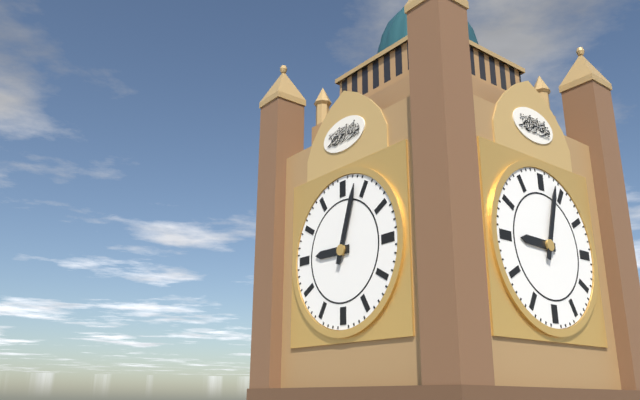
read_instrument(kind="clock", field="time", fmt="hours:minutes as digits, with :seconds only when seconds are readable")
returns 9:03
